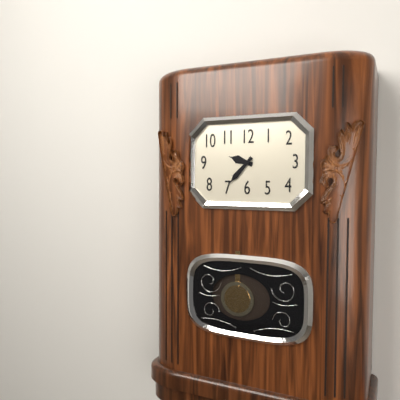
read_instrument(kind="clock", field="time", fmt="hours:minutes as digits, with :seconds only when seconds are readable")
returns 9:37
